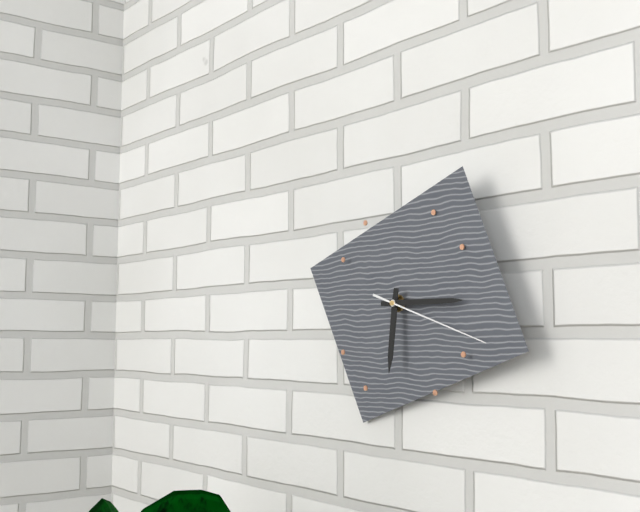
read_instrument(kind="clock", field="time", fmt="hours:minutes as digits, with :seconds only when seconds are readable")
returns 6:15:18
